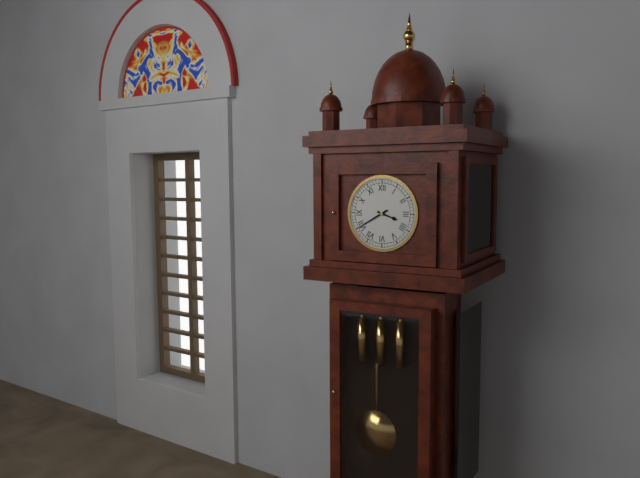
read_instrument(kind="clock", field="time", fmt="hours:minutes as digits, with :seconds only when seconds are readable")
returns 3:40
